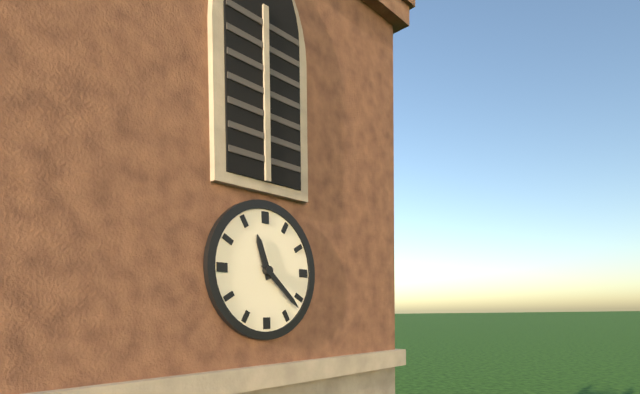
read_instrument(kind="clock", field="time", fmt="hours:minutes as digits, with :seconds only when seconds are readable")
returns 11:22
